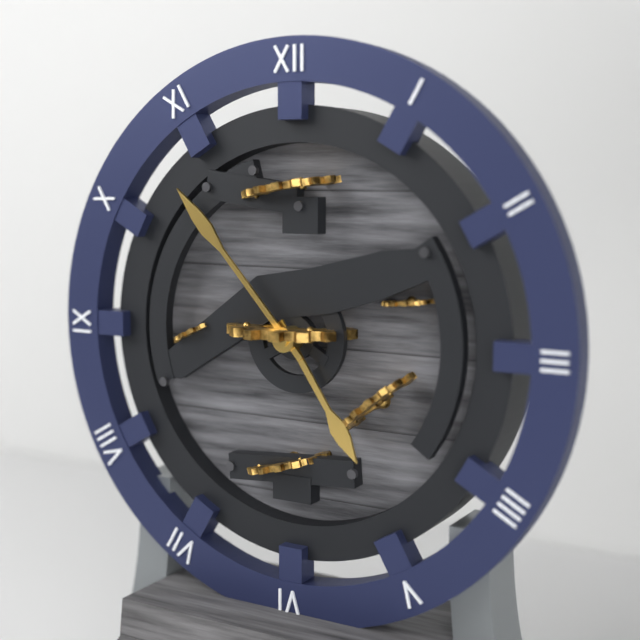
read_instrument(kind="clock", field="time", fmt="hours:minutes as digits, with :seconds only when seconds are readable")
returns 4:53
